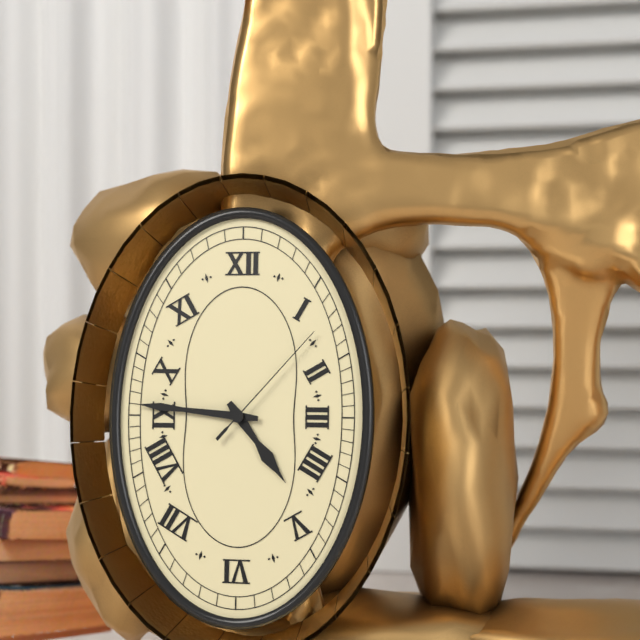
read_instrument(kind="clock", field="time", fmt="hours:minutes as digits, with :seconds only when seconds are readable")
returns 4:46:07
